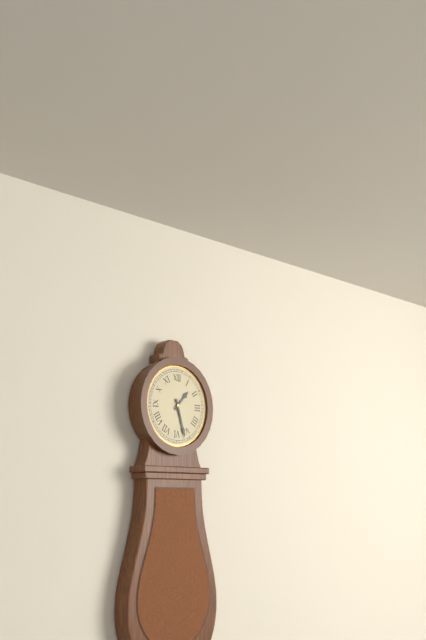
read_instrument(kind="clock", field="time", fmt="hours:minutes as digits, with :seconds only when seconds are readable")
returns 1:27
